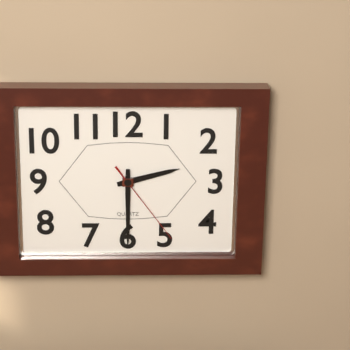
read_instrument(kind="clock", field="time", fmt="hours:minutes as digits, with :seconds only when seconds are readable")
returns 2:30:24
